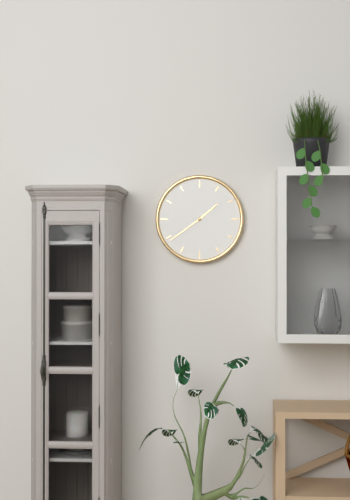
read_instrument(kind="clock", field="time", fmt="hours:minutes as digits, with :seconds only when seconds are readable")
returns 1:39
